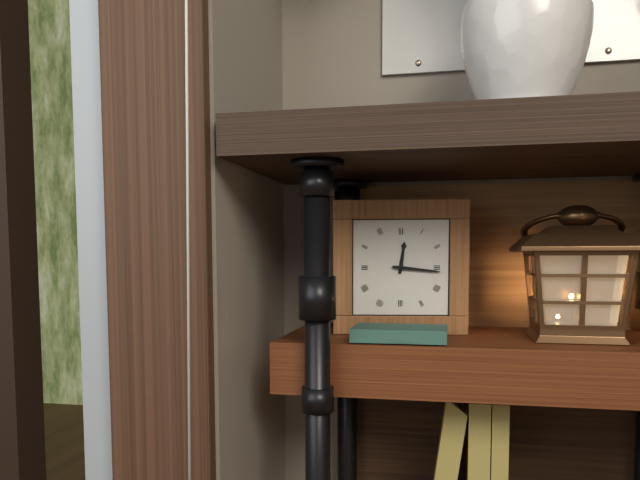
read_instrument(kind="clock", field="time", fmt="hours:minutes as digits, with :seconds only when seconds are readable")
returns 12:16
